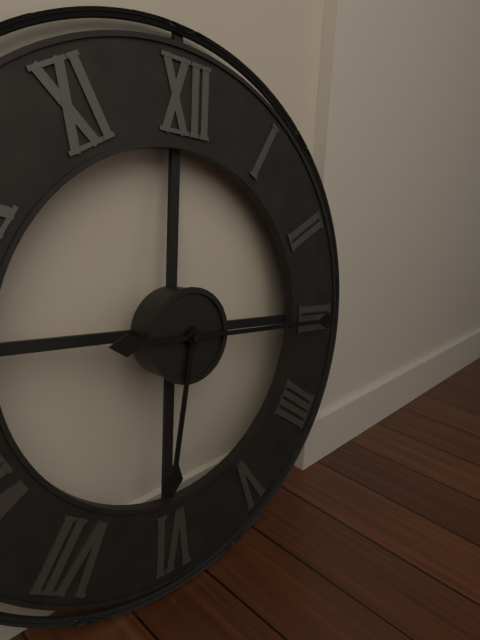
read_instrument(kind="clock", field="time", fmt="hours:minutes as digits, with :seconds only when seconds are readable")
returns 6:15
